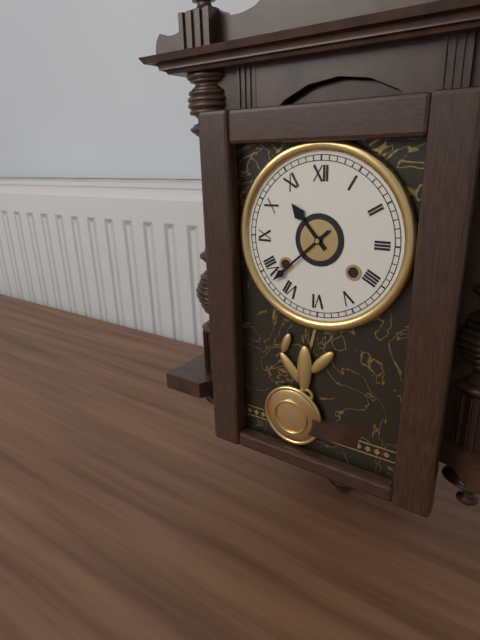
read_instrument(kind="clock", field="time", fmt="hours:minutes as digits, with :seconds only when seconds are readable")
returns 10:38
